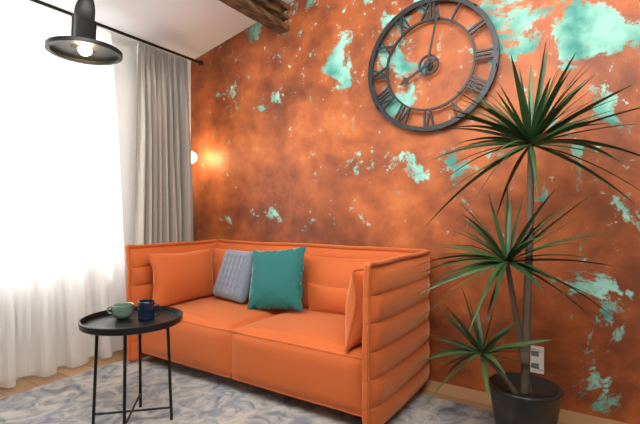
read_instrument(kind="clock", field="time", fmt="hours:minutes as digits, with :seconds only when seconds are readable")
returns 8:02
